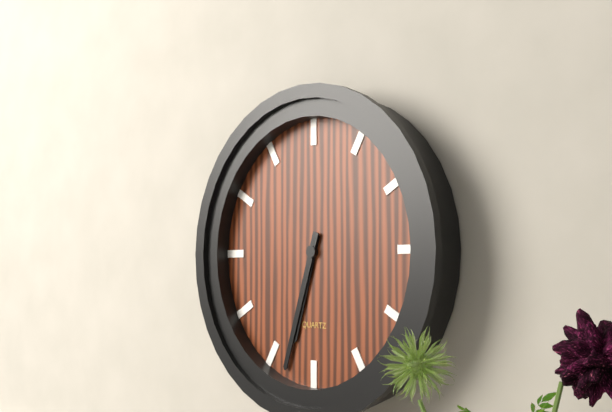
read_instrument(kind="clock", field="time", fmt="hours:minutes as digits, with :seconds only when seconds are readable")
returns 6:33
